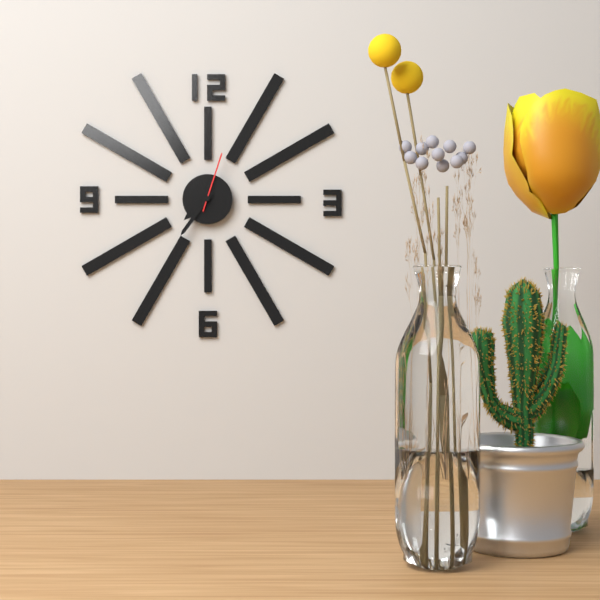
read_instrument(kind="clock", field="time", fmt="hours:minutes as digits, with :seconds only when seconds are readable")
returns 7:36:03
